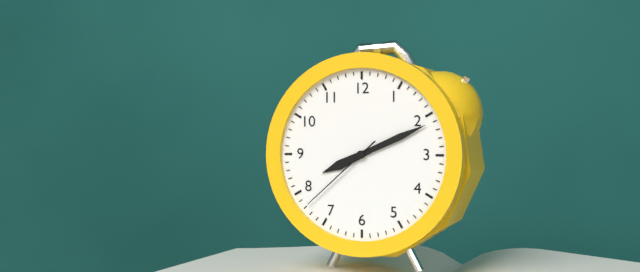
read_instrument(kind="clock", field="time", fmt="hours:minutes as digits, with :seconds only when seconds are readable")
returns 8:11:38
